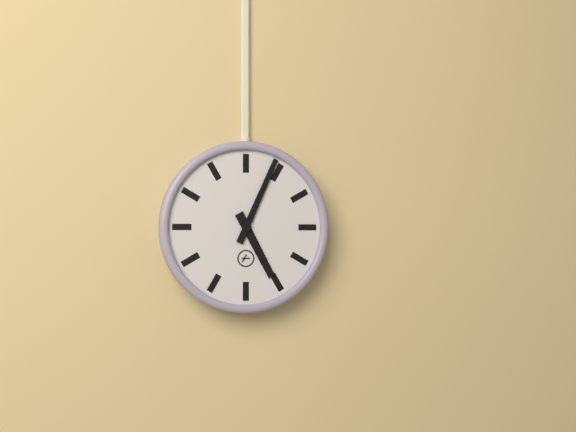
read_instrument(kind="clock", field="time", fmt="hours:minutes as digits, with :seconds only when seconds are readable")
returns 5:04
